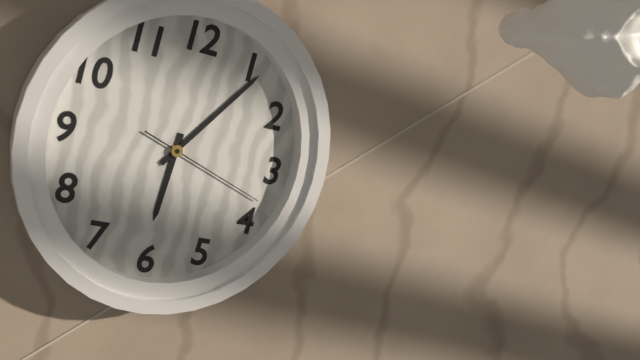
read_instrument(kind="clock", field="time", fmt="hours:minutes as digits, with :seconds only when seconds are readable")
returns 6:06:18
